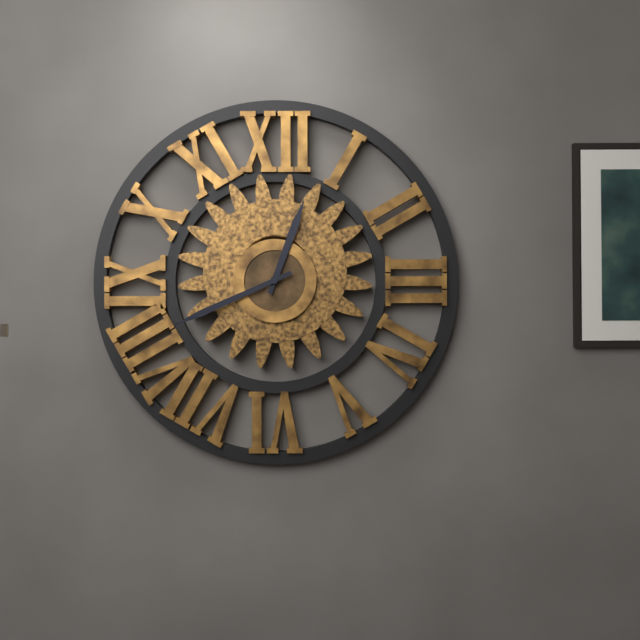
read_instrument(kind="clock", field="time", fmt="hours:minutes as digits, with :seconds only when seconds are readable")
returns 12:41
